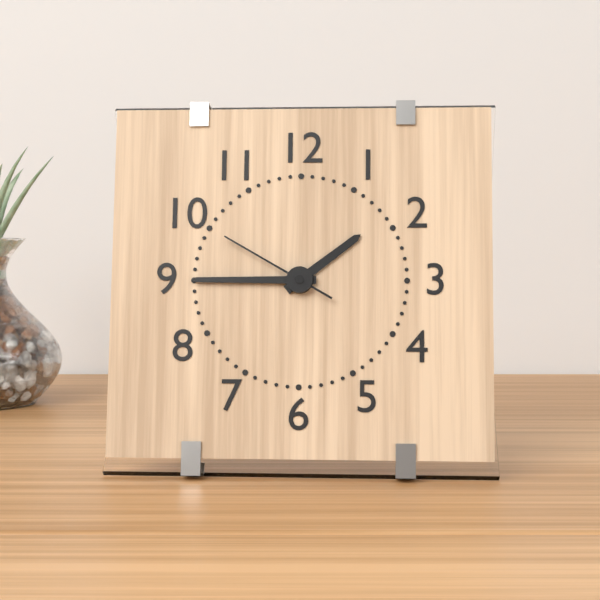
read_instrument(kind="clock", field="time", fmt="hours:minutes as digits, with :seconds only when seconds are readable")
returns 1:45:50
